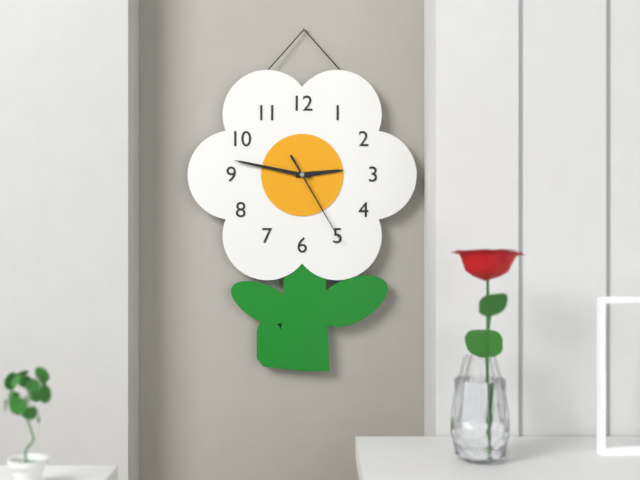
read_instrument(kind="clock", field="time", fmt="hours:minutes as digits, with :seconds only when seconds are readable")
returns 2:47:25
